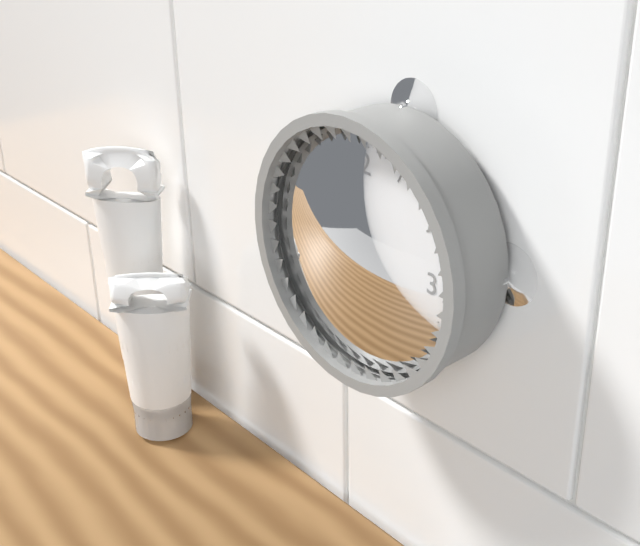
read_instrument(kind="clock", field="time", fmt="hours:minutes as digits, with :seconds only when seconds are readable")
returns 11:35
